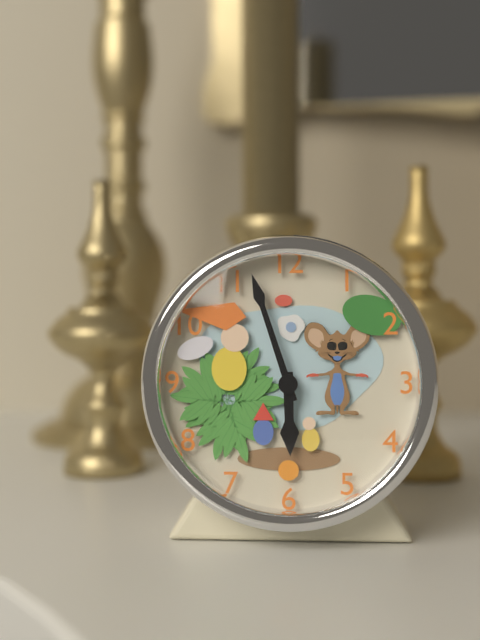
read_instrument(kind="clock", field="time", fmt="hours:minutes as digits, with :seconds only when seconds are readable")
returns 5:57
